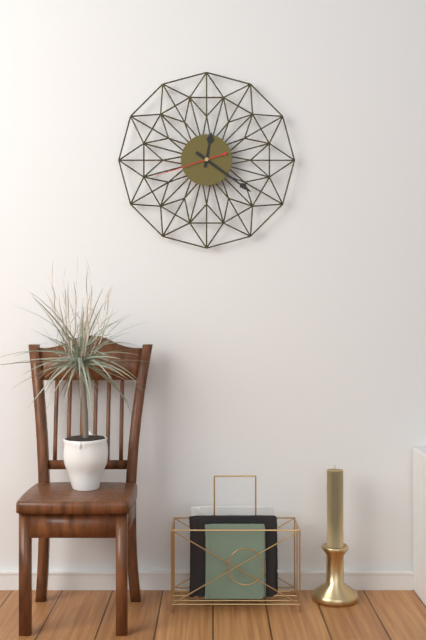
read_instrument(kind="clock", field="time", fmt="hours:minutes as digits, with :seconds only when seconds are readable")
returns 12:21:42
